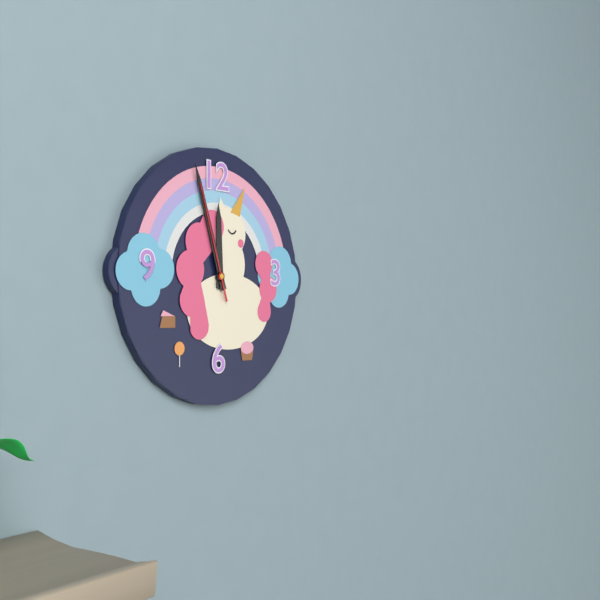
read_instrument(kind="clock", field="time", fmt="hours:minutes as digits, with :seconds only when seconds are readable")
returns 11:57:57
